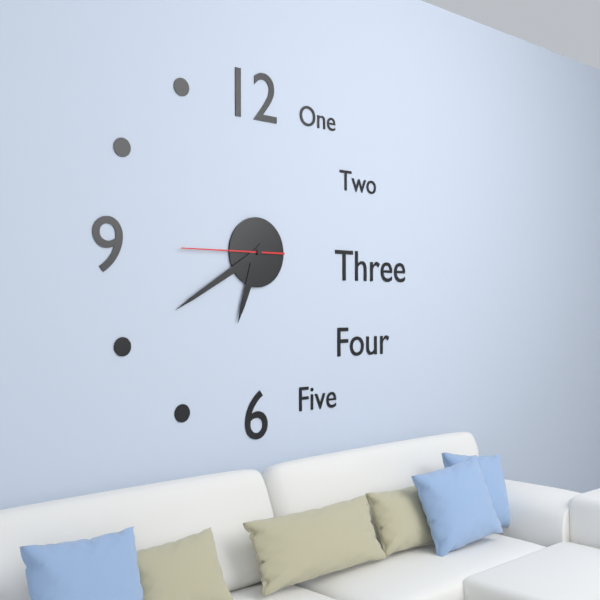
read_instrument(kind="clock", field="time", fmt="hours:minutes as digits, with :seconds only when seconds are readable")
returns 6:40:45
